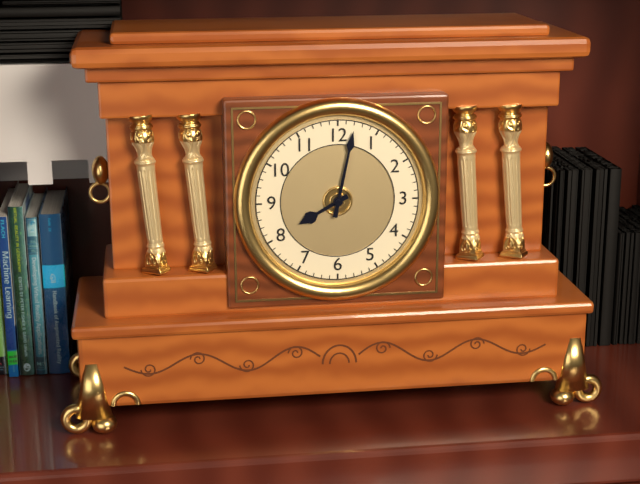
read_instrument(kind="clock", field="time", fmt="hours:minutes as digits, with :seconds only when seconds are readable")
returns 8:02
